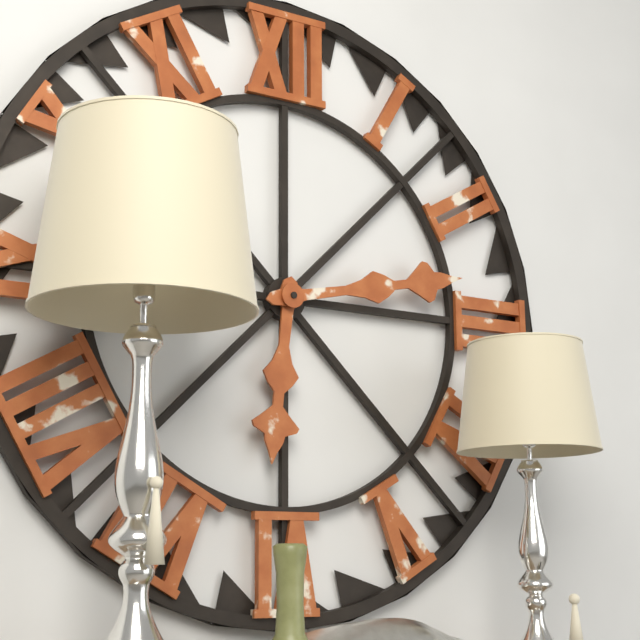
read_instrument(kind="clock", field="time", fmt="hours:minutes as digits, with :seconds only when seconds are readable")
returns 6:13
